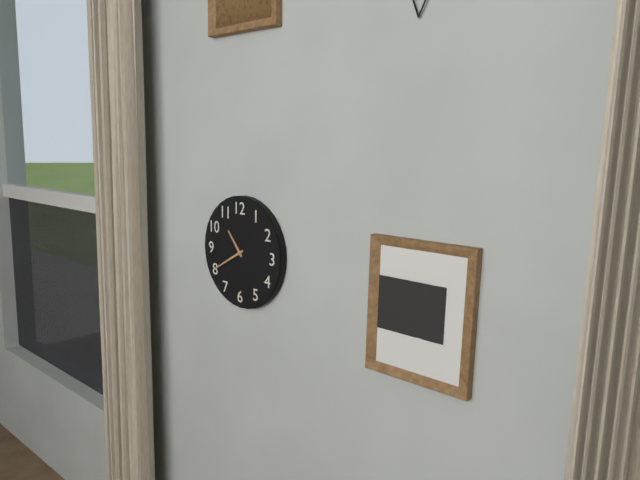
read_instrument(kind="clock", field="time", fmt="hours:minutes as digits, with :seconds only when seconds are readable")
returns 10:40
